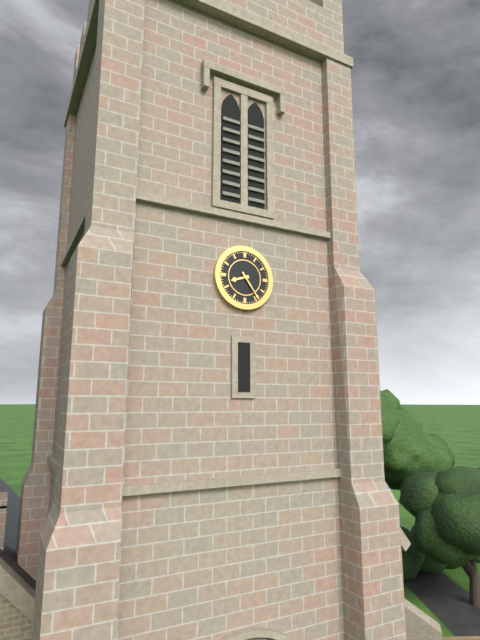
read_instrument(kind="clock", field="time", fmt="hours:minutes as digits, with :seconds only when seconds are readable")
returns 8:24
